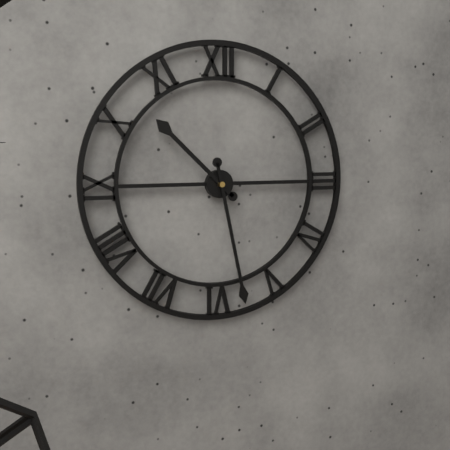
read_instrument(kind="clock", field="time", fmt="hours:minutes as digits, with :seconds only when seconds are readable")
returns 10:28
